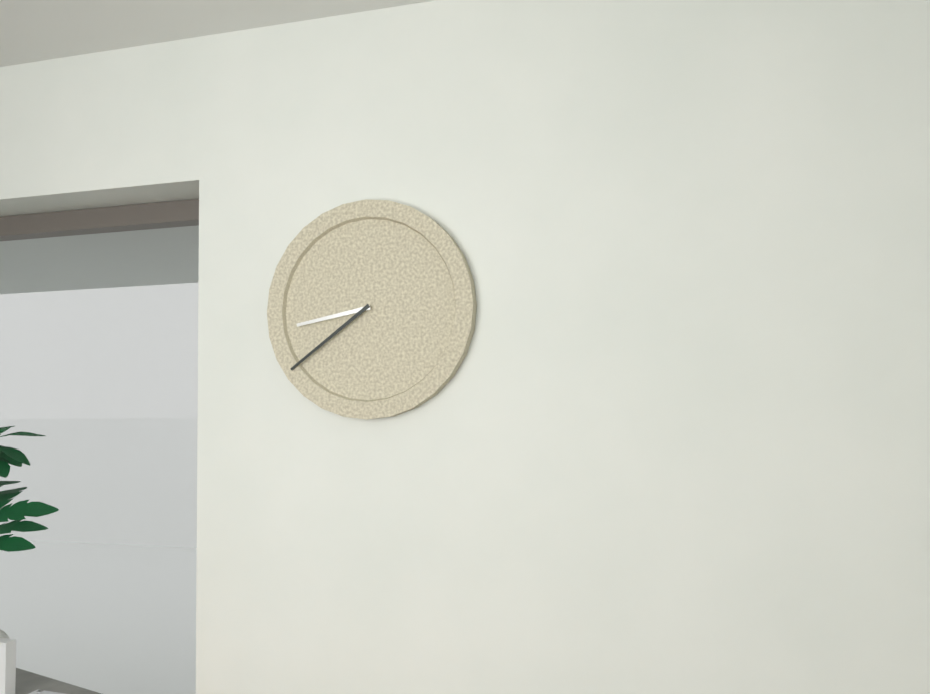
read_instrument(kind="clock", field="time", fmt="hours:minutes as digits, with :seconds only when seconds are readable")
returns 8:39
